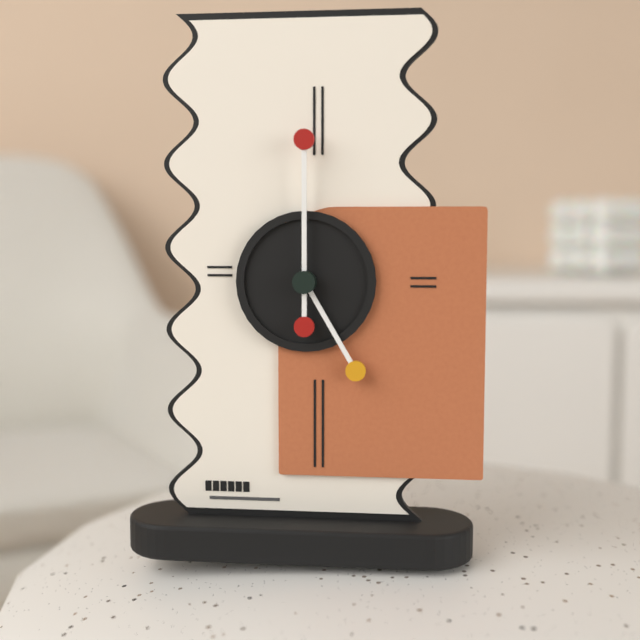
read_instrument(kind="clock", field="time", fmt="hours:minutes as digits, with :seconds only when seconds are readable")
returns 5:00
